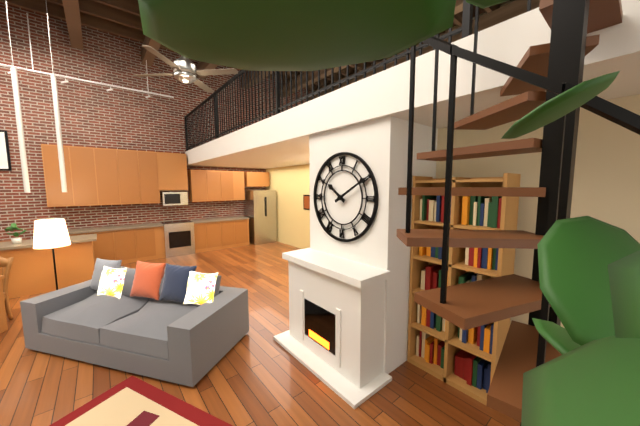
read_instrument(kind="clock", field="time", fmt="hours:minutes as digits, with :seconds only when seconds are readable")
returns 10:10
